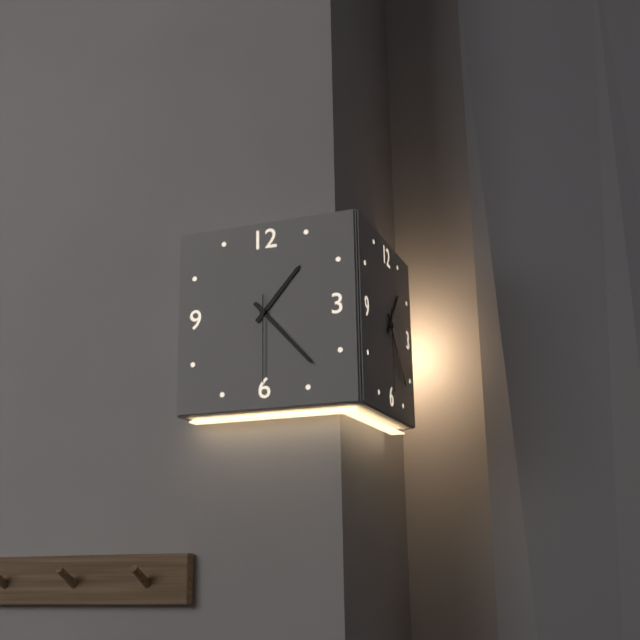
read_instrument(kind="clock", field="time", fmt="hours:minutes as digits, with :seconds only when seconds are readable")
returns 1:23:30
